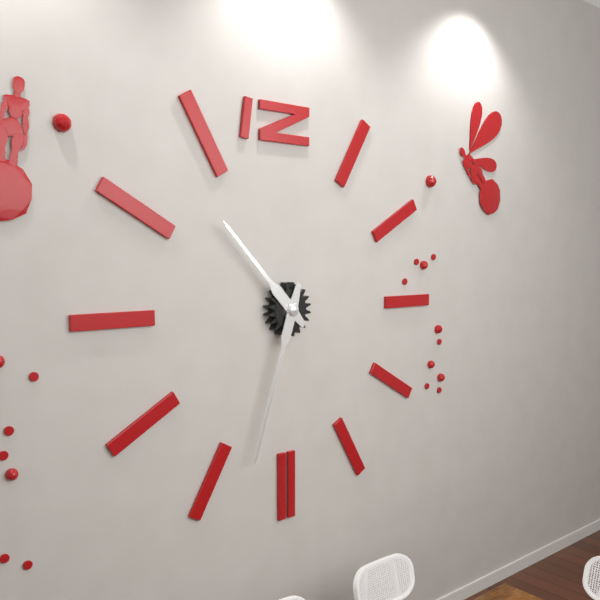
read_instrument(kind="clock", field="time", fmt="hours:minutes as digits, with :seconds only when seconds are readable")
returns 10:33
